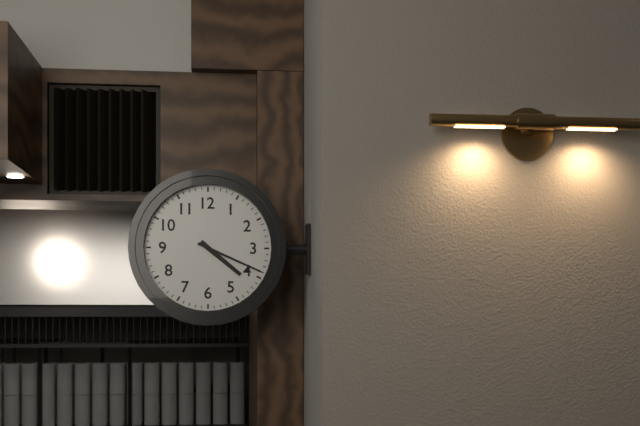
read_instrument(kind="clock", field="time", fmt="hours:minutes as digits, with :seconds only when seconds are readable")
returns 4:19
